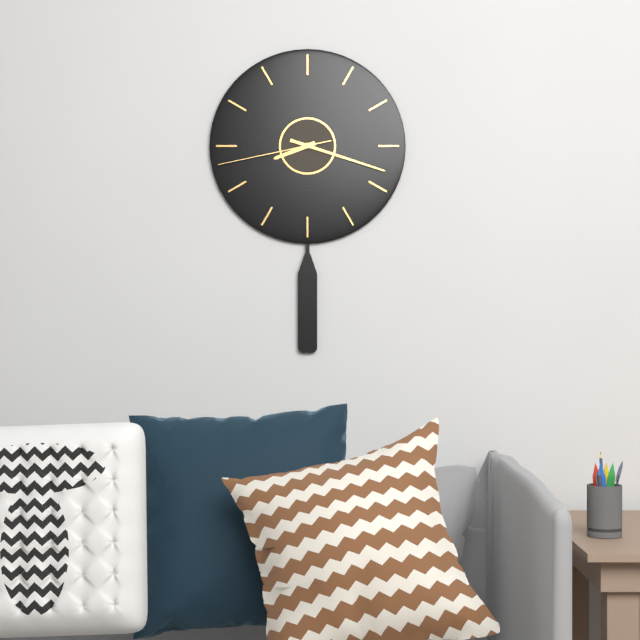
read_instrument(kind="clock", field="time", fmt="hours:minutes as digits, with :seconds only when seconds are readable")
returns 8:18:43
